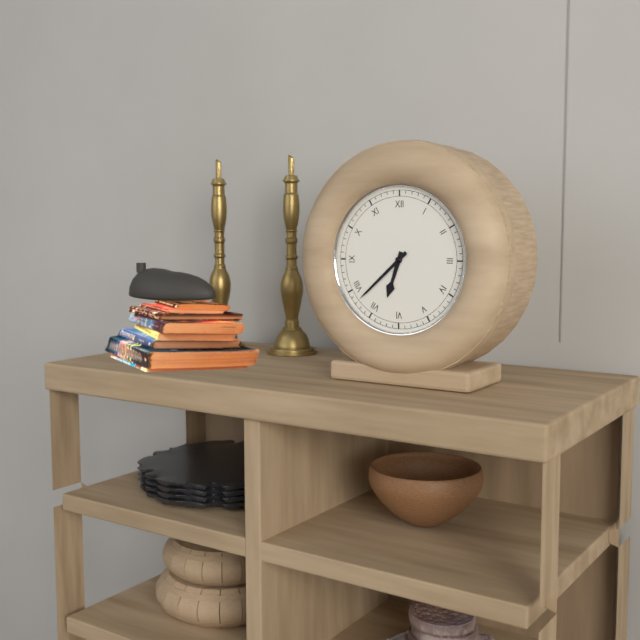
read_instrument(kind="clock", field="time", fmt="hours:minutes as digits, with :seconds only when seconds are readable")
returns 6:38
